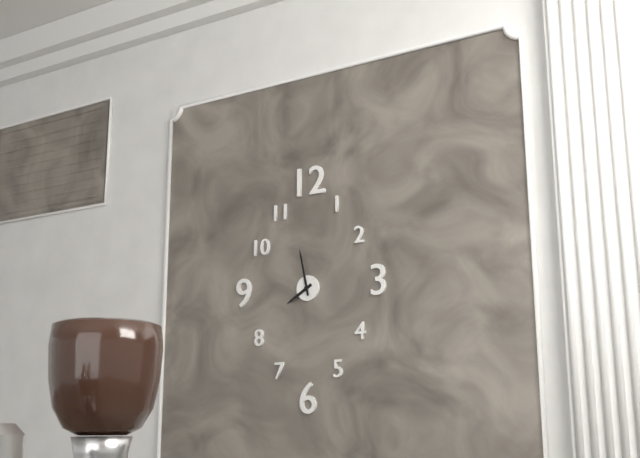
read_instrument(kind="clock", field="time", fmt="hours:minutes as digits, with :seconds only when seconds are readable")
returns 7:58
